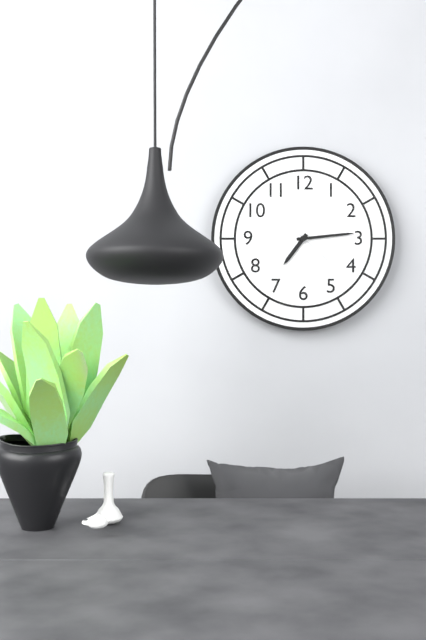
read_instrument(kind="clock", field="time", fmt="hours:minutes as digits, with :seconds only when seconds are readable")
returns 7:14:22
